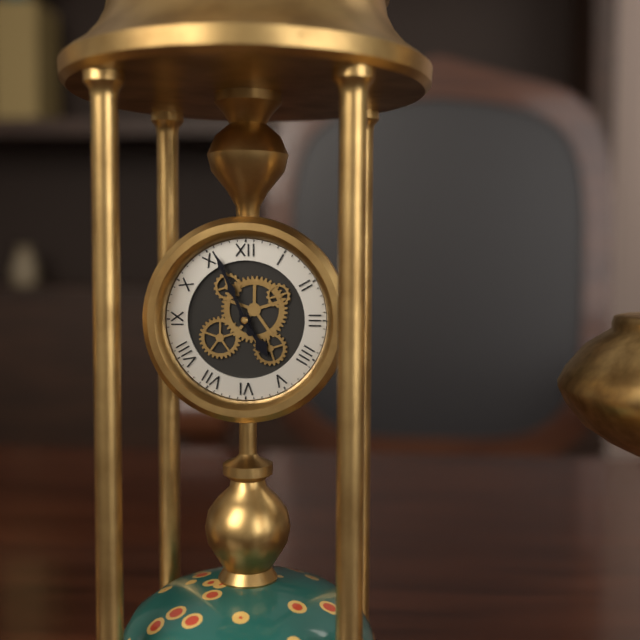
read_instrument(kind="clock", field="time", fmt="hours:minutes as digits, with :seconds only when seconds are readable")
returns 4:56
